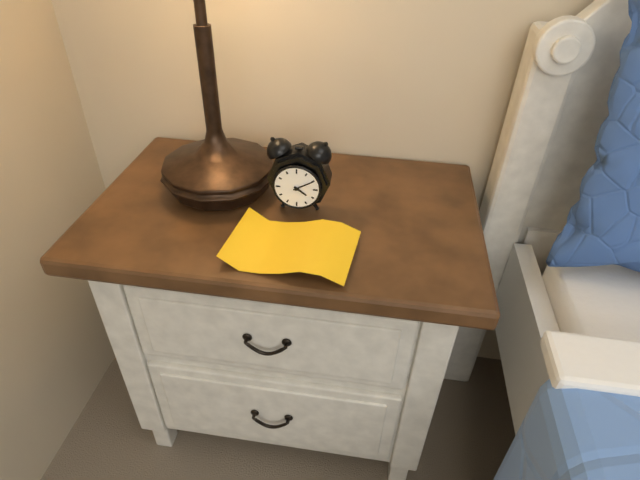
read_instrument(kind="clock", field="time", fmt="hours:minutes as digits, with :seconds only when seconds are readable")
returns 4:10
